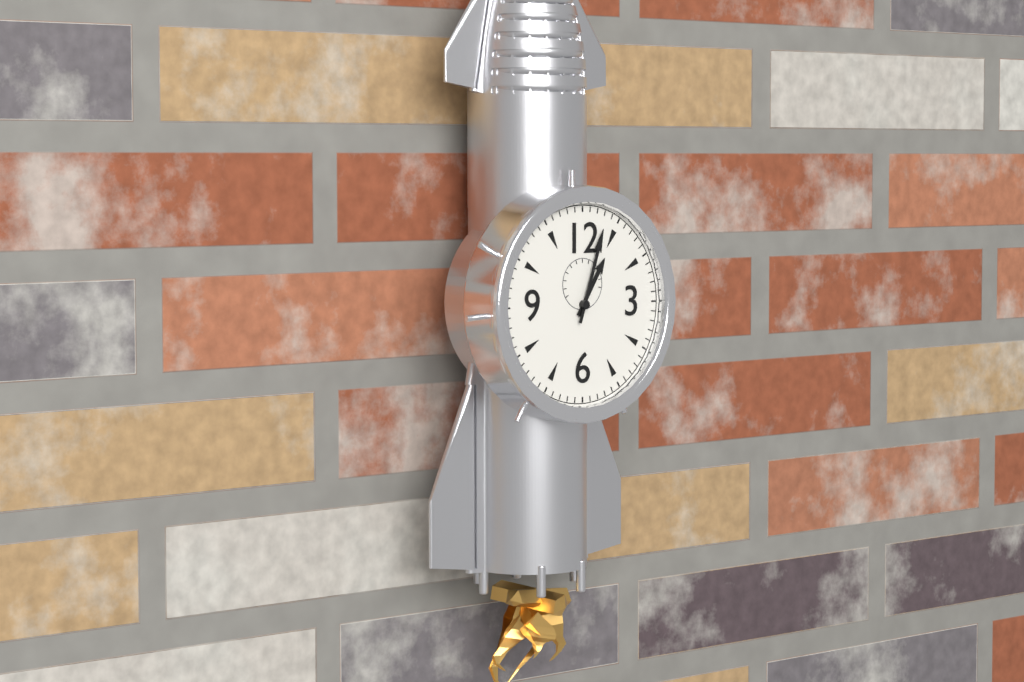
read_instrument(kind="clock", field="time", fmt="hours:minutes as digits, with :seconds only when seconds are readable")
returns 1:03
